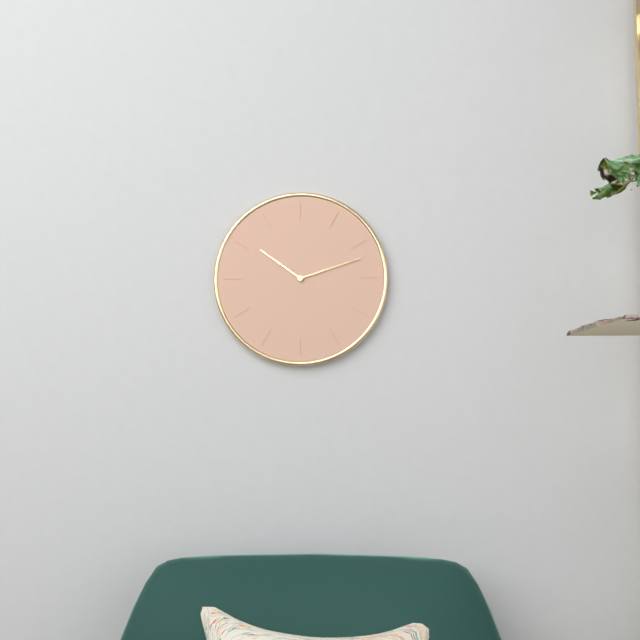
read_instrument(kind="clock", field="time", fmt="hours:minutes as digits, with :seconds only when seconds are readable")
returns 10:12
